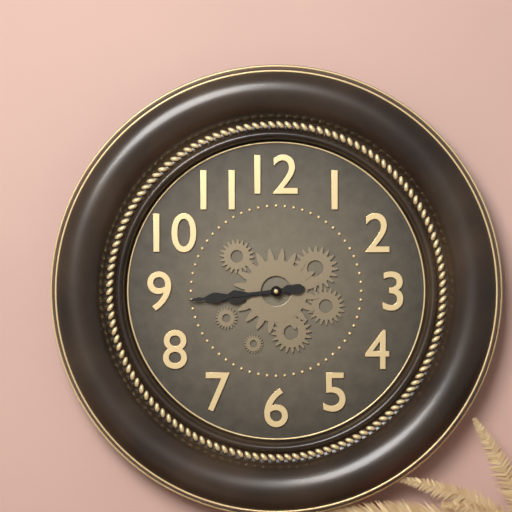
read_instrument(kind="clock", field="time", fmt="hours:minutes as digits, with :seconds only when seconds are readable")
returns 8:44
